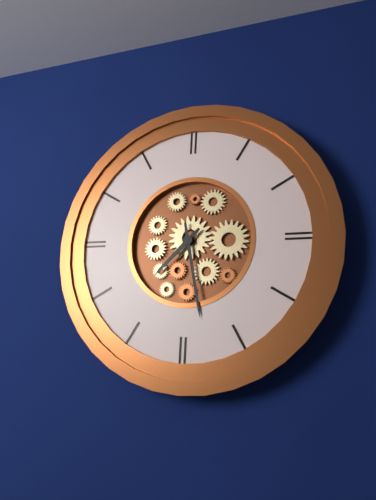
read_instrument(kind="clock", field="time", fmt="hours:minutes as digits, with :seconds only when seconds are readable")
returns 7:28
